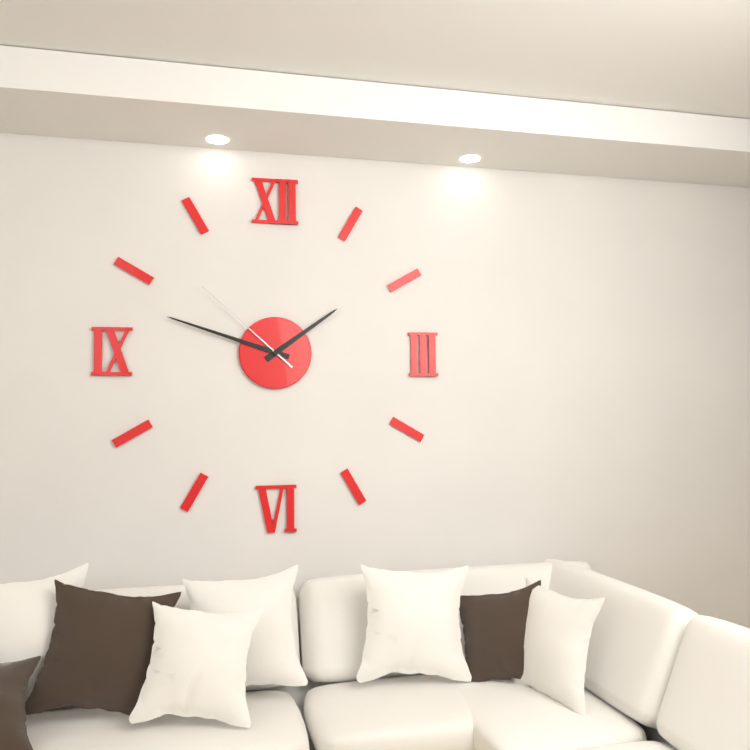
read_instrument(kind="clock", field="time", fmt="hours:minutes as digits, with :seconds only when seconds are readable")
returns 1:48:52
